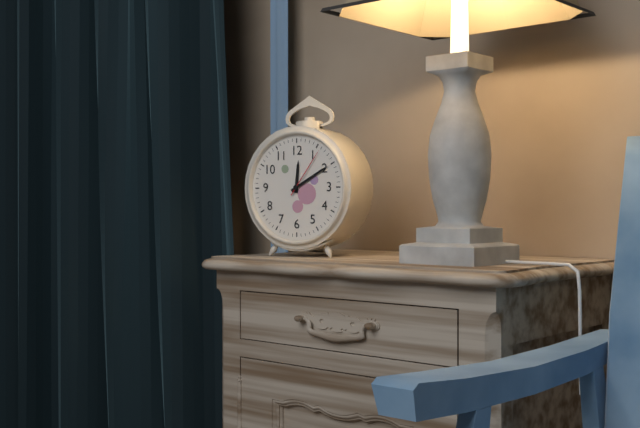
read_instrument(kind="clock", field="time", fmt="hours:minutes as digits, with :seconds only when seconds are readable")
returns 12:10:06
